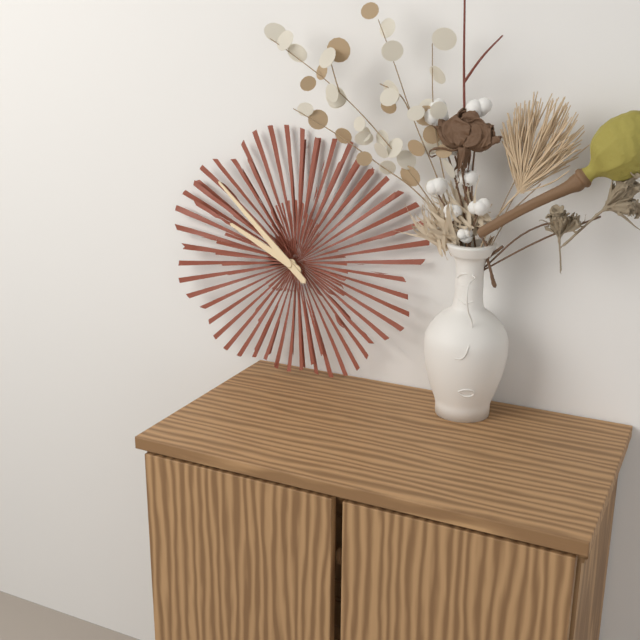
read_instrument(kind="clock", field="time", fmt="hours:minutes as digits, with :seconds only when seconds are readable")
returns 9:52
